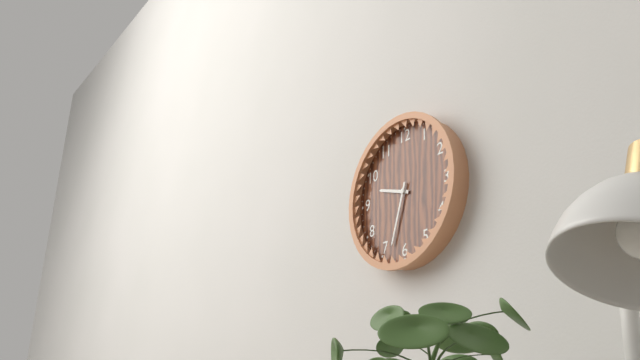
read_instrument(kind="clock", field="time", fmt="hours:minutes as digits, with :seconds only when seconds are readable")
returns 9:33
